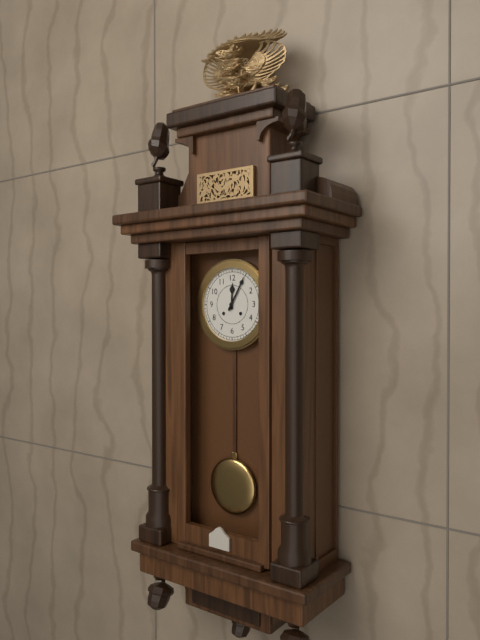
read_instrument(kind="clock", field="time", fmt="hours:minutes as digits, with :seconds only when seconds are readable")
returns 12:05
